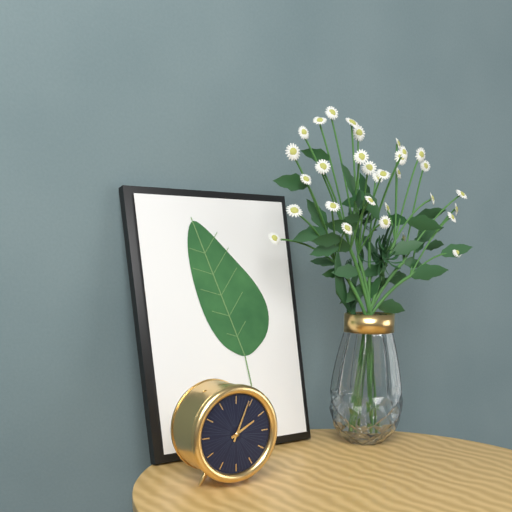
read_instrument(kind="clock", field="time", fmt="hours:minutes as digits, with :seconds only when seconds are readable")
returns 2:04
